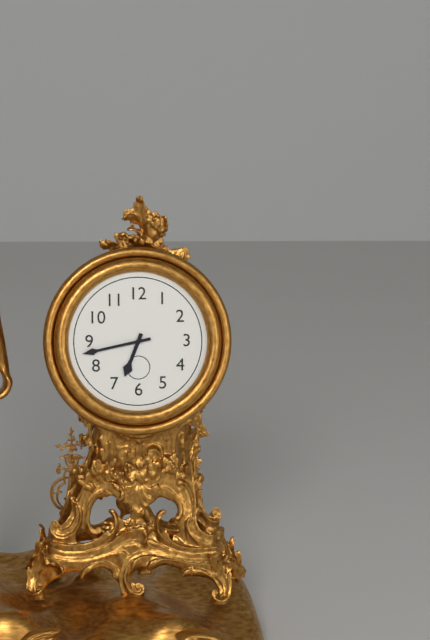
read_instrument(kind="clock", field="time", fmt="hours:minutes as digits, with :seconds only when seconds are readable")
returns 6:43
